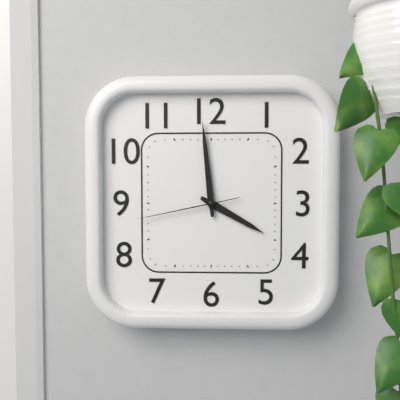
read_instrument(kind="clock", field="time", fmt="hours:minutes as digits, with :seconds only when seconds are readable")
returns 3:59:43
